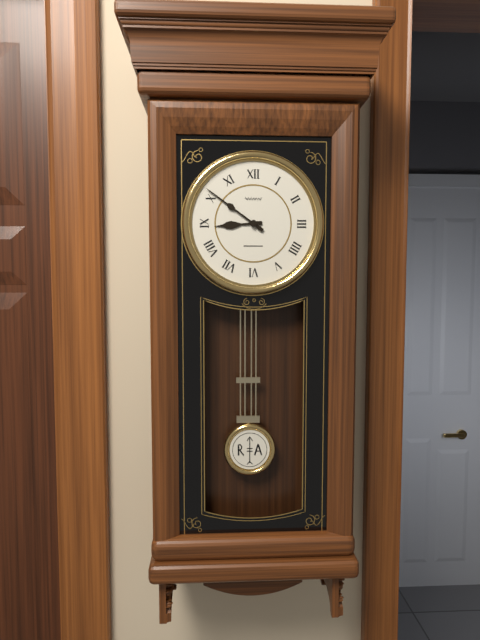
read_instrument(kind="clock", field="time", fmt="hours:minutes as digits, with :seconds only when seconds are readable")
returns 8:51
